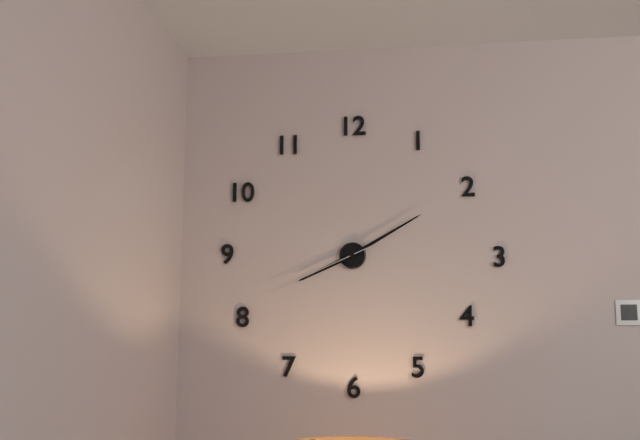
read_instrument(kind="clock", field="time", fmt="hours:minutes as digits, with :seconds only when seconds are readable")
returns 8:10:41
